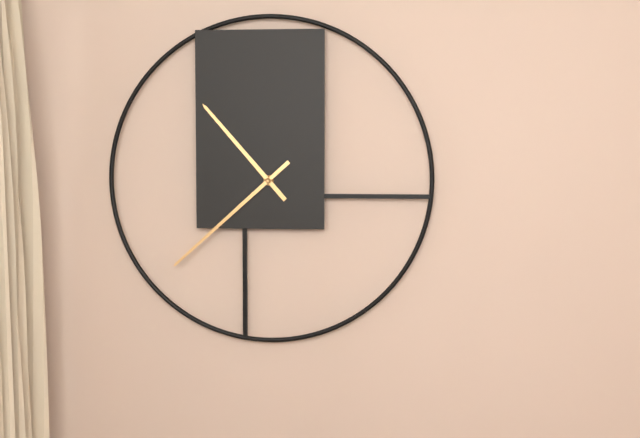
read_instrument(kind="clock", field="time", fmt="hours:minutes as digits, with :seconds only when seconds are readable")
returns 10:38
